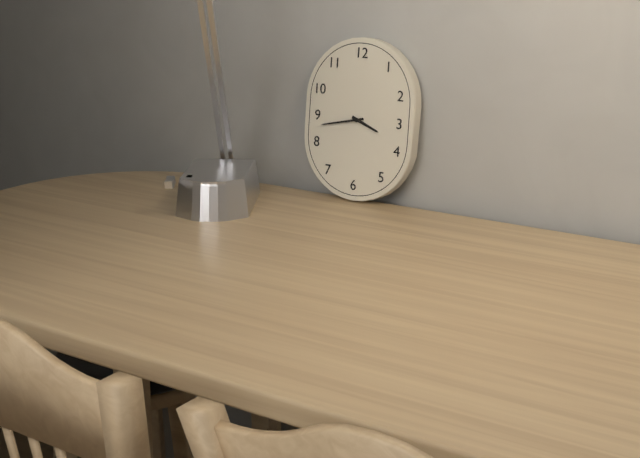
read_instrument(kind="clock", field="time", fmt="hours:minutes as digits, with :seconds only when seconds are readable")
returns 3:43
